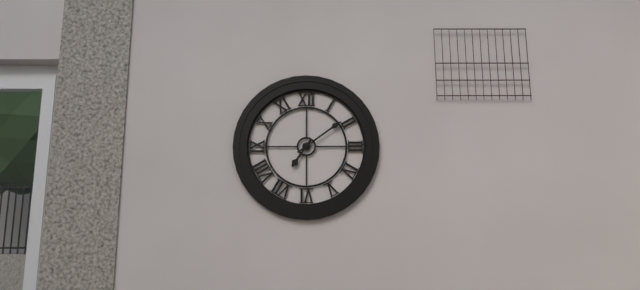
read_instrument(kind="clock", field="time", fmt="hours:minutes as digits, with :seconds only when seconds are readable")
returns 7:09
